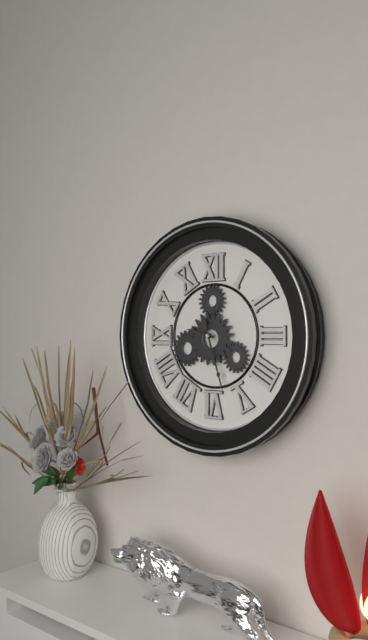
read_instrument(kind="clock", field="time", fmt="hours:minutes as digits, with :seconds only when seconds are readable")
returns 9:27
